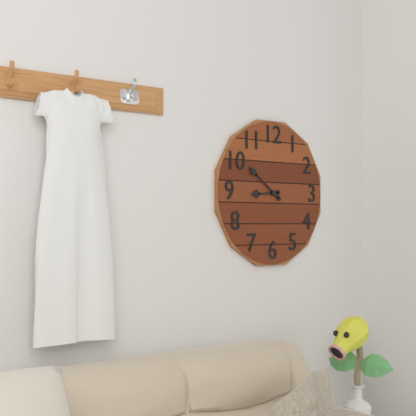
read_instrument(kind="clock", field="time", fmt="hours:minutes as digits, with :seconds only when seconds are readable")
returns 8:51
